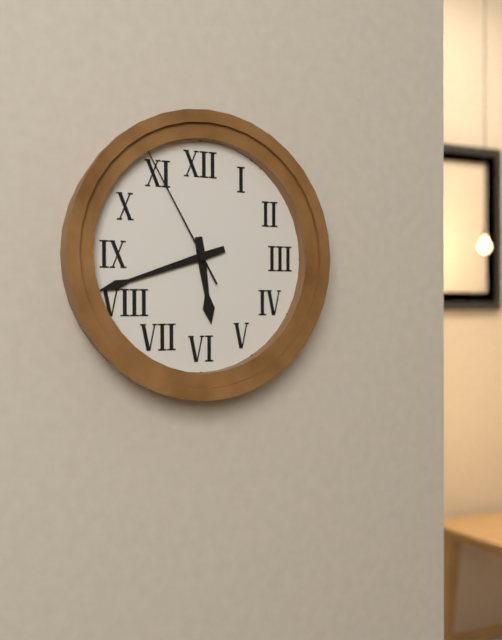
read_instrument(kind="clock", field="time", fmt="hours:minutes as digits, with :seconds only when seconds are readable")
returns 5:42:55
